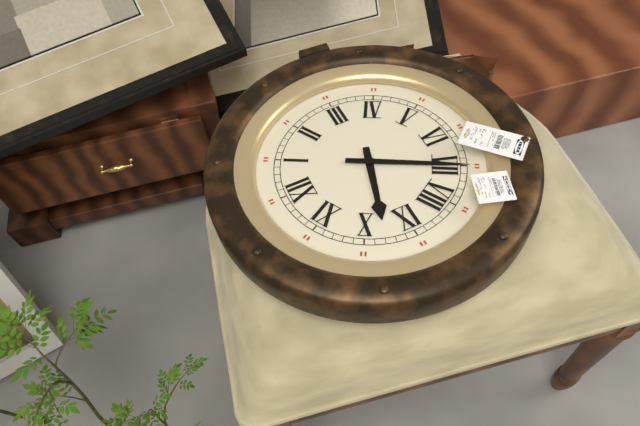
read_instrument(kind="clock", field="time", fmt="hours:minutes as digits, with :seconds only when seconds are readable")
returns 9:35
